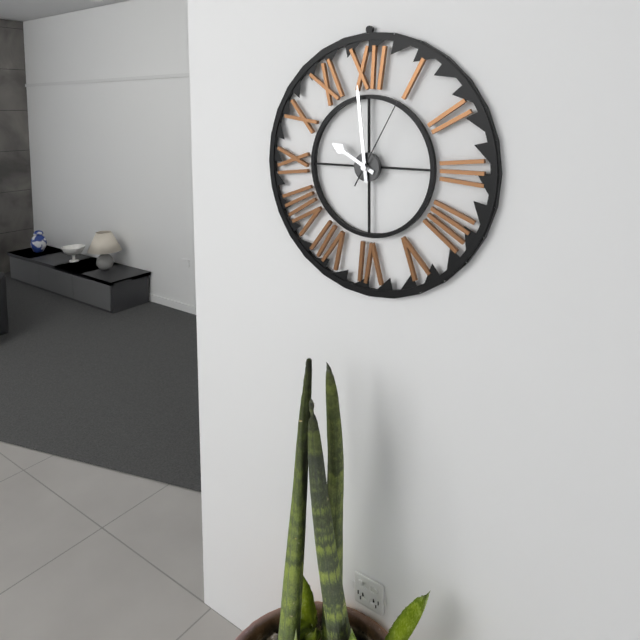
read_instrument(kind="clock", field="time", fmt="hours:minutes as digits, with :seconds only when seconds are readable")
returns 9:59:05
